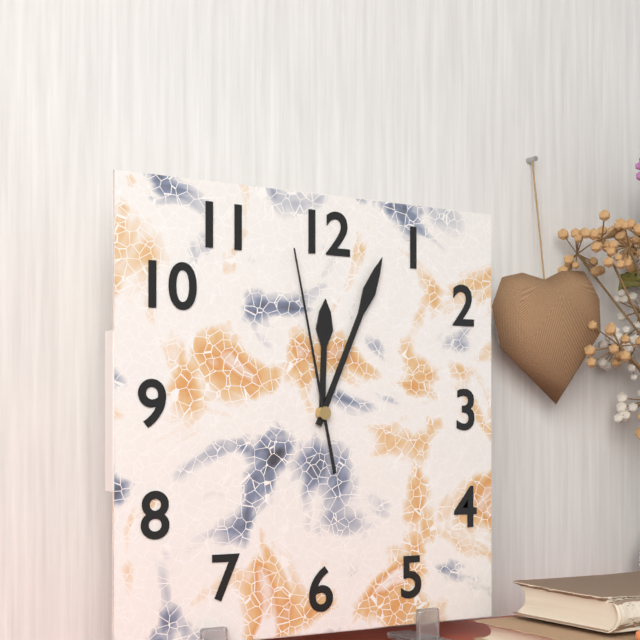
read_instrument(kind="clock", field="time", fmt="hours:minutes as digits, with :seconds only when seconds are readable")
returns 12:04:58
